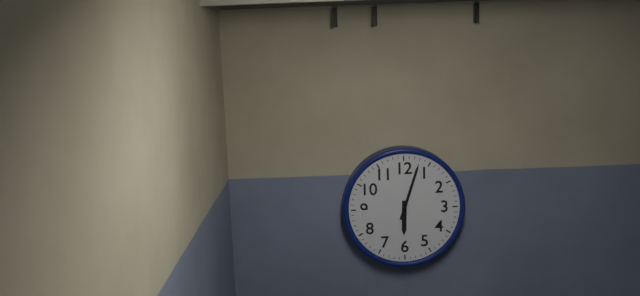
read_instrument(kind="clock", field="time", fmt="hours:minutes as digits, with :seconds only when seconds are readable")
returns 6:03
